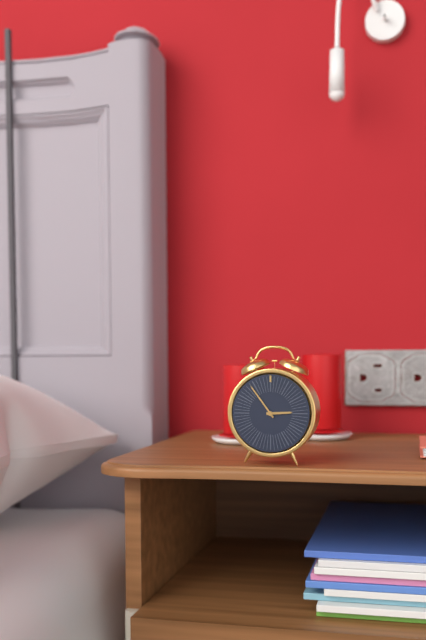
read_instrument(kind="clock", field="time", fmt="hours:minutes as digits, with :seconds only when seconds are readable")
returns 2:54
